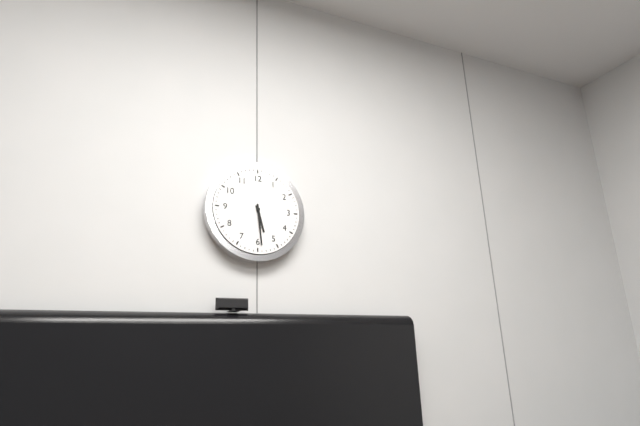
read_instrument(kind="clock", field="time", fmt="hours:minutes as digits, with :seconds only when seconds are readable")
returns 5:29
